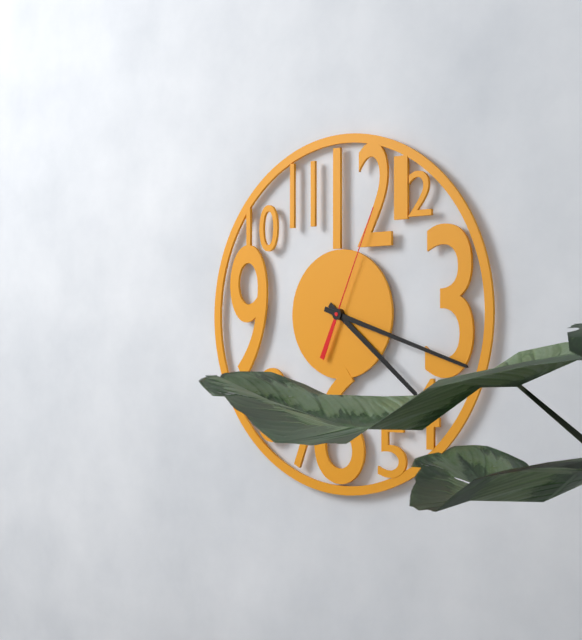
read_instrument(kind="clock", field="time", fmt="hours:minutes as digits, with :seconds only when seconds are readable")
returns 4:18:04
